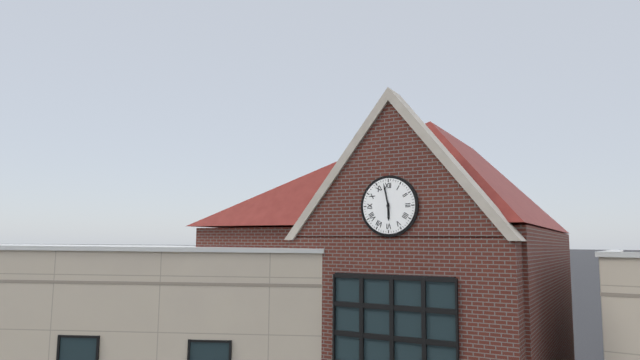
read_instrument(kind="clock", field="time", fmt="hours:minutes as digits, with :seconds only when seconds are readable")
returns 5:58
